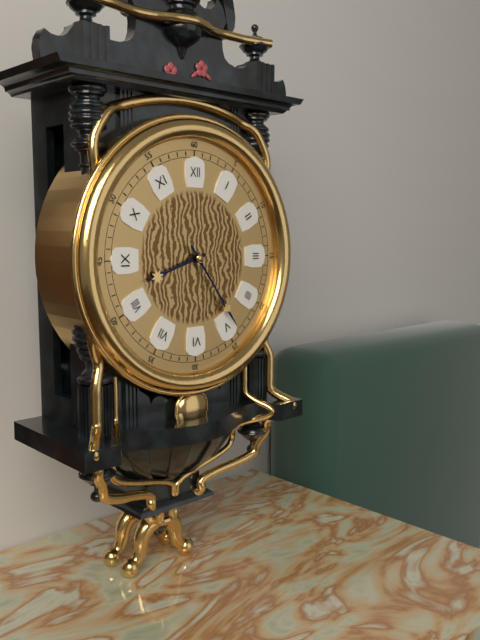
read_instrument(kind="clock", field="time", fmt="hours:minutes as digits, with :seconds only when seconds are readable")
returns 8:24
